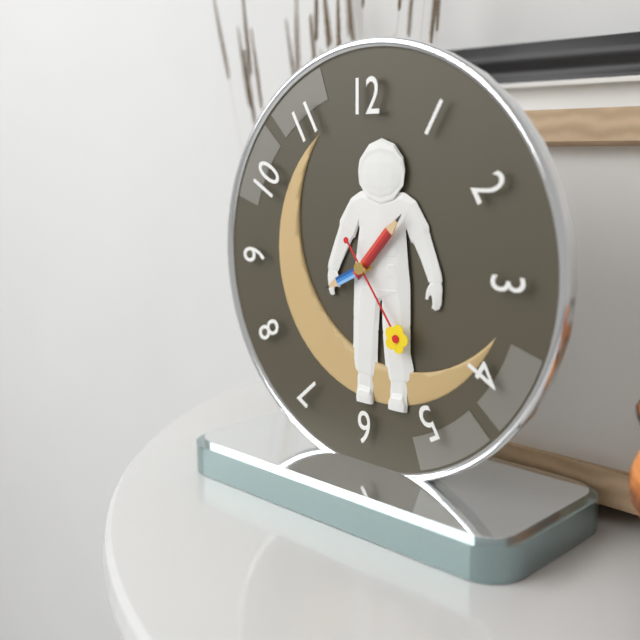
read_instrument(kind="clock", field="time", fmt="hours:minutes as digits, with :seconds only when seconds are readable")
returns 8:07:24
